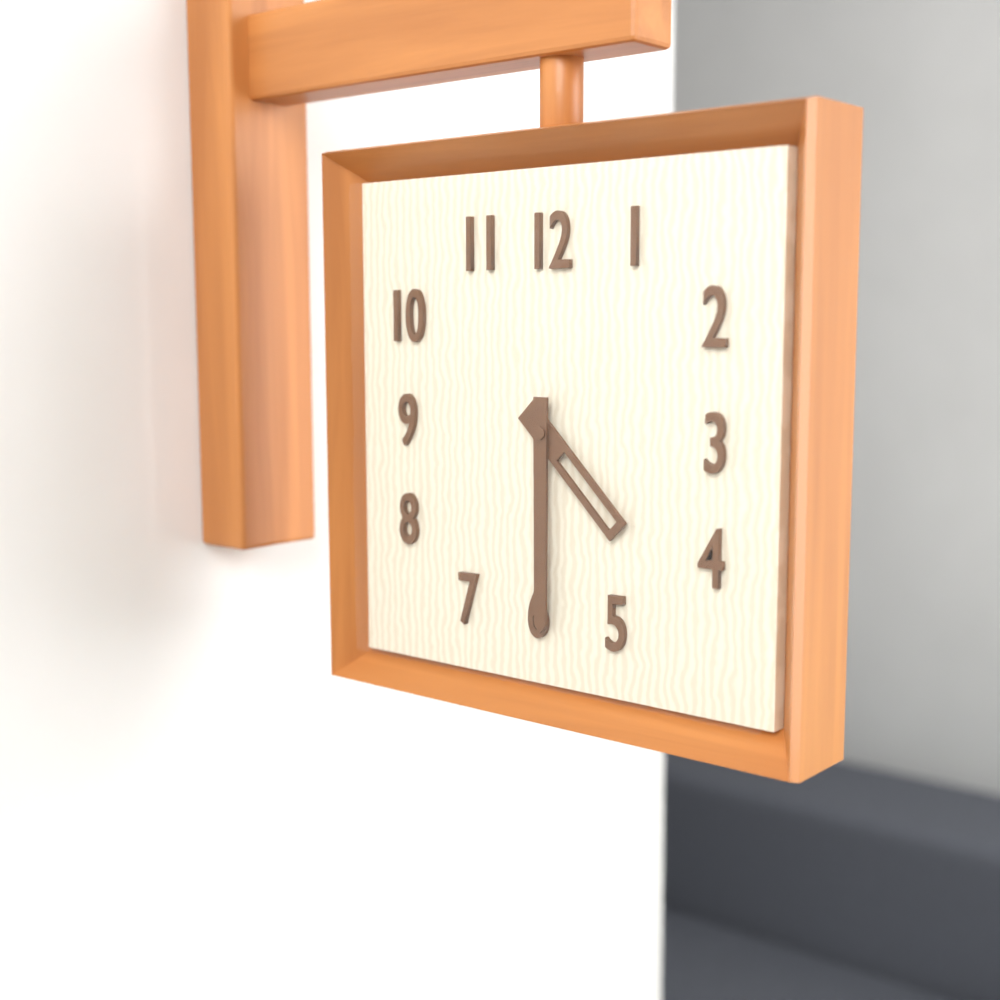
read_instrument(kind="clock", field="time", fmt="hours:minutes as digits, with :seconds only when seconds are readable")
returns 4:30
